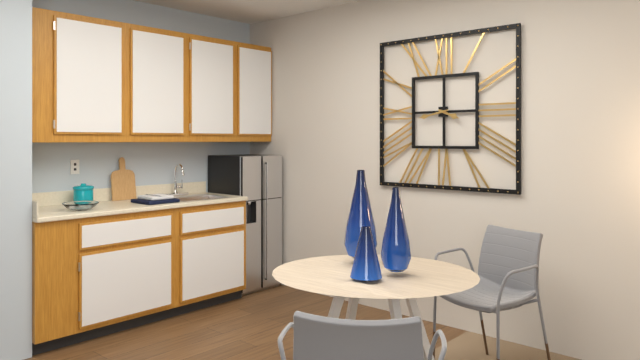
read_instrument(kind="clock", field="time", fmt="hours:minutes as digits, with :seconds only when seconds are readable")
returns 3:43
